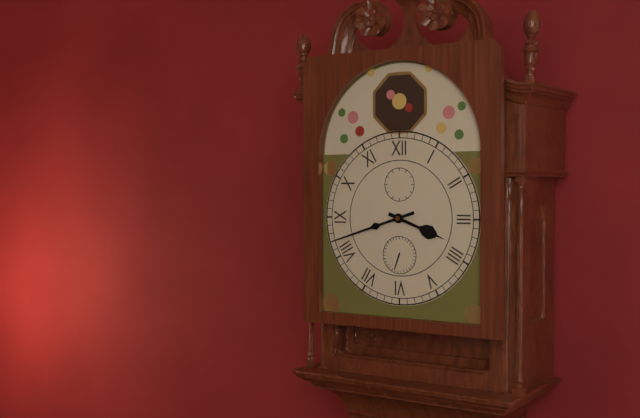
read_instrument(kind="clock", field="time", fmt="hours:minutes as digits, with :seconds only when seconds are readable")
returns 3:42
